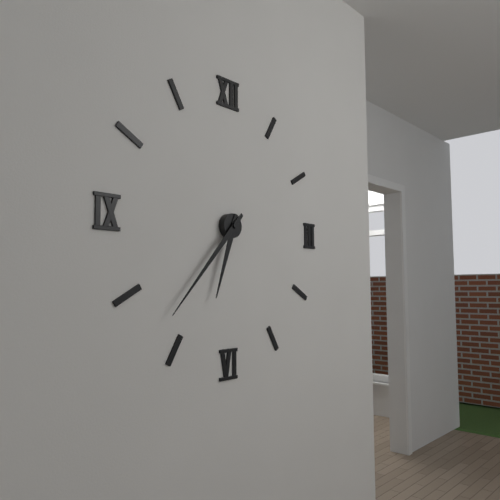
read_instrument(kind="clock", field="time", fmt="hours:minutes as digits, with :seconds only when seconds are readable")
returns 6:37
